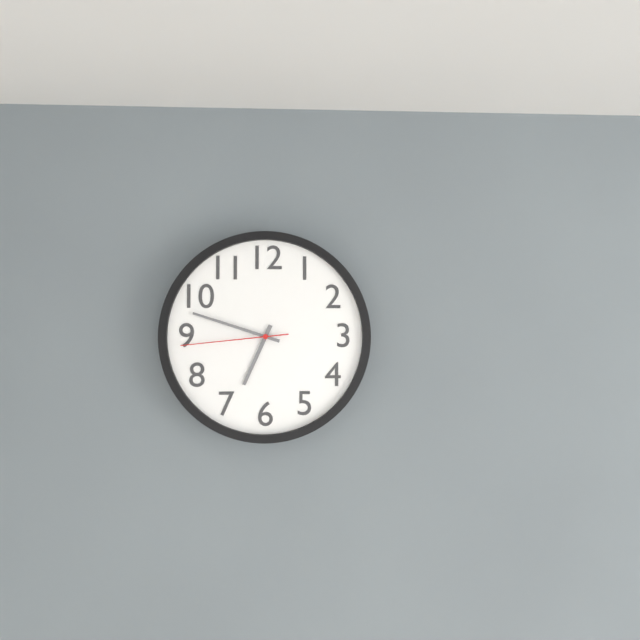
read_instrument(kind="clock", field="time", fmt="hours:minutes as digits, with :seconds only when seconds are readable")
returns 6:48:44
